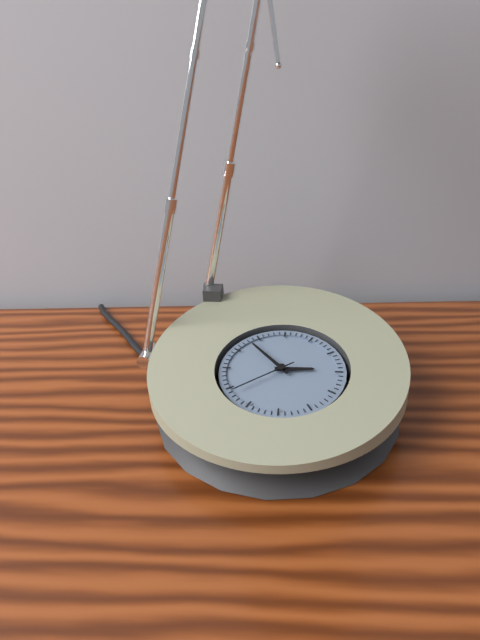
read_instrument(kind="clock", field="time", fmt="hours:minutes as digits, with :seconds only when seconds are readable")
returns 2:53:39
